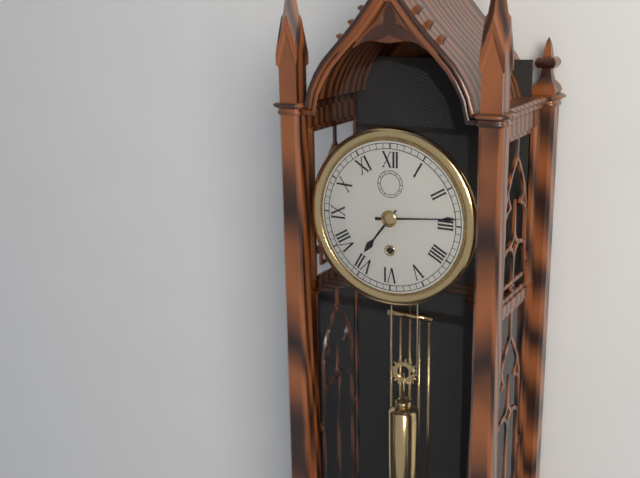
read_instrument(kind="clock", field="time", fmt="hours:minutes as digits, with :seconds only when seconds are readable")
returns 7:14
